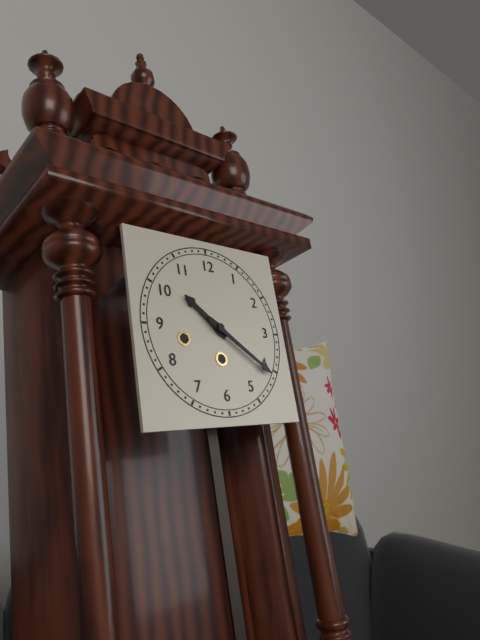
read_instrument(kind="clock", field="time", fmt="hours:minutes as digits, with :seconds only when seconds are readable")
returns 10:21
